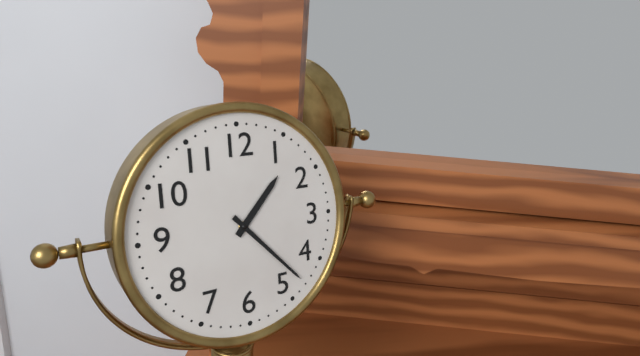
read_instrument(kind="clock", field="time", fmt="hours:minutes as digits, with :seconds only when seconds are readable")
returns 1:23
